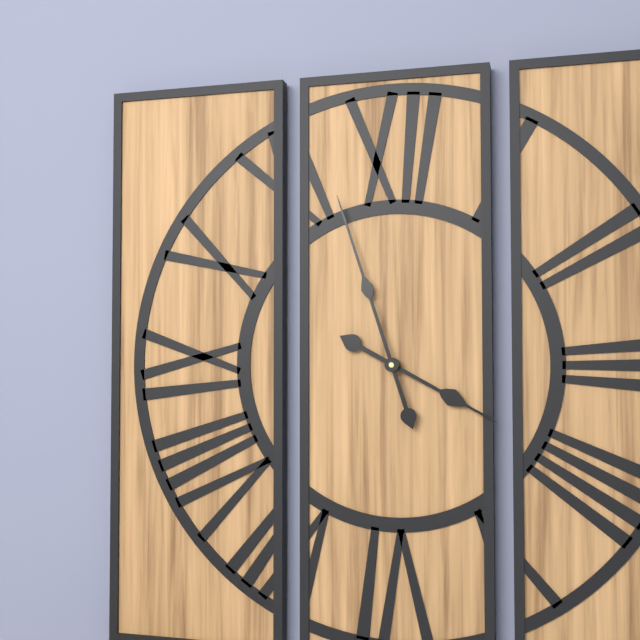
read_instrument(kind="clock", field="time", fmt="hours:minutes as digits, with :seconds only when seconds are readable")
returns 3:57
